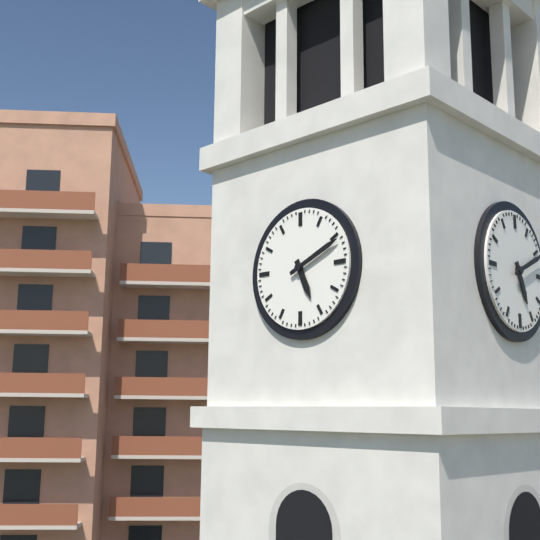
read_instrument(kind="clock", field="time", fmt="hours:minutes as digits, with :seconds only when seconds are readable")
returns 5:11
